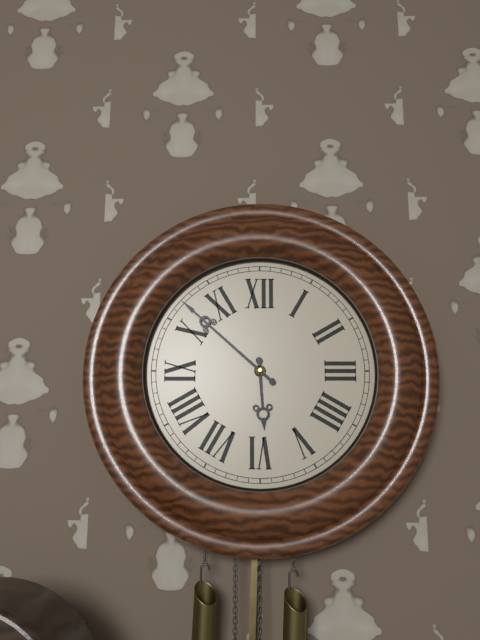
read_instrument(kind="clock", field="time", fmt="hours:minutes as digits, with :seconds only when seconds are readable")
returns 5:52
